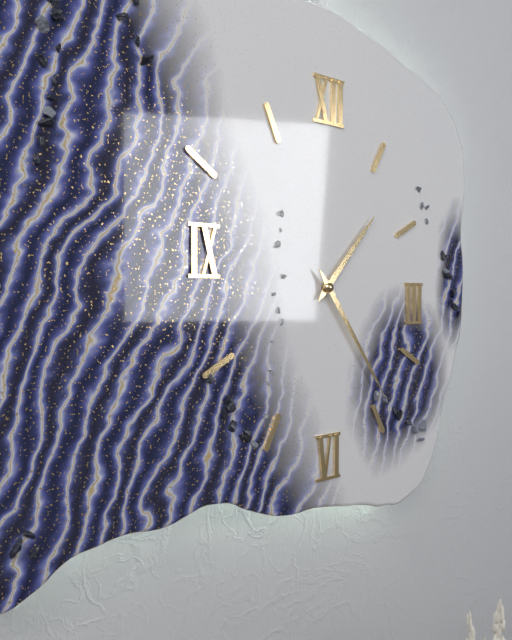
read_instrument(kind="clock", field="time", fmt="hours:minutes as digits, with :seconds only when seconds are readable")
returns 1:24
